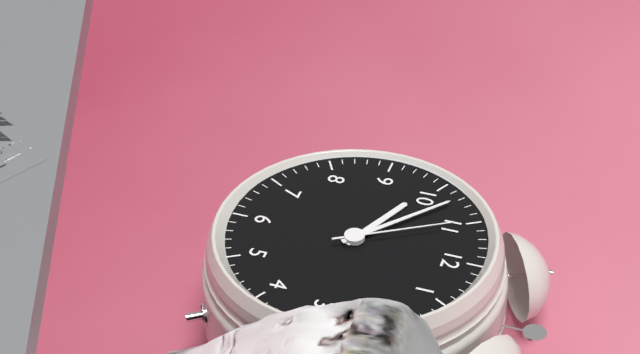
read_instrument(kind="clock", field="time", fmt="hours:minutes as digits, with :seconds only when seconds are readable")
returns 9:52:55
